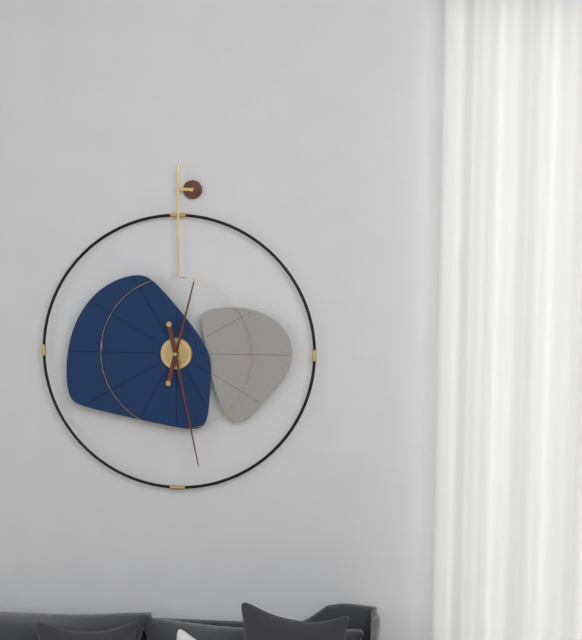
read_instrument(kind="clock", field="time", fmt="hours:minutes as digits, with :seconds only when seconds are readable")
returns 12:28
